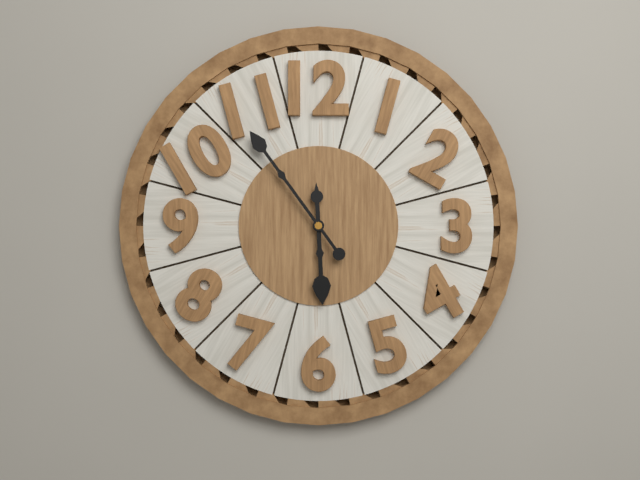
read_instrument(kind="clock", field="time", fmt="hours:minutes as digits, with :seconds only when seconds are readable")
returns 5:54
